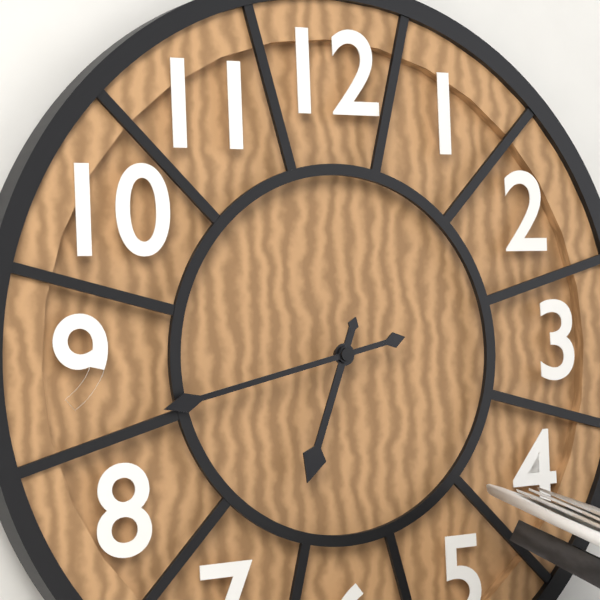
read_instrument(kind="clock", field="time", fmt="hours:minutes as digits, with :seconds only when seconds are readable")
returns 6:43
